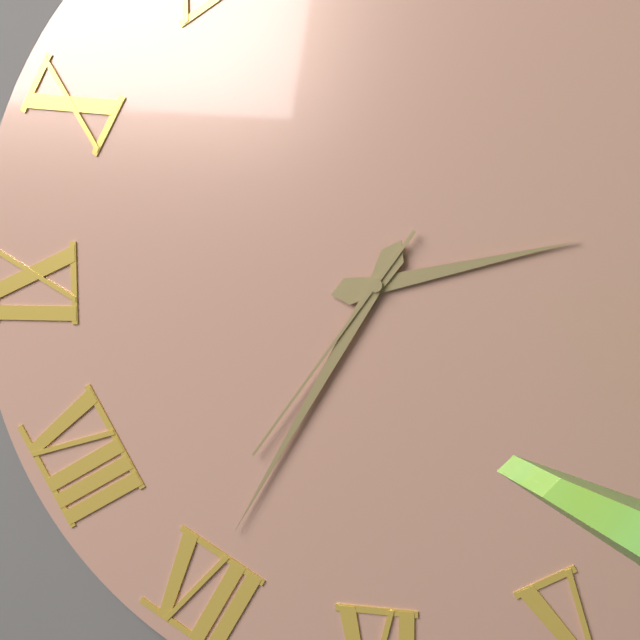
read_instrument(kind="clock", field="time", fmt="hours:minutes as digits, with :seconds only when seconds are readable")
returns 2:35:36
